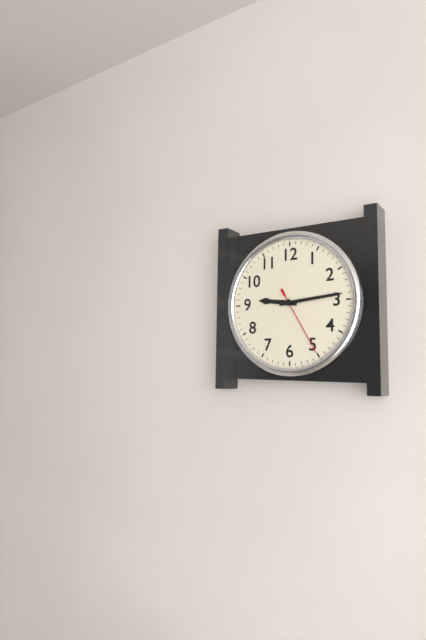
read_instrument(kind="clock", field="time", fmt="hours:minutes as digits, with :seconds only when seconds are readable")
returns 9:14:25
